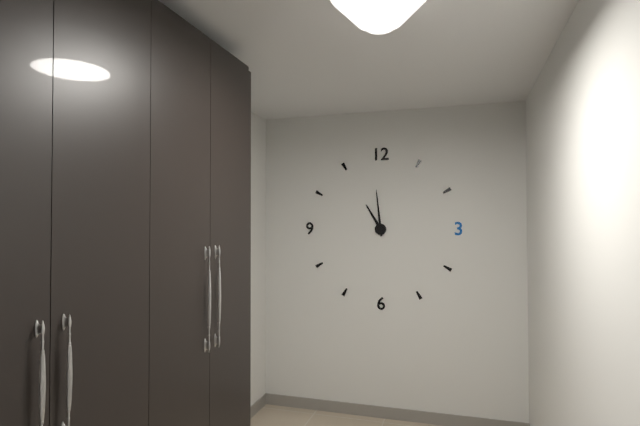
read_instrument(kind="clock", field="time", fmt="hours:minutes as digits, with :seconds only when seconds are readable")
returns 10:59
